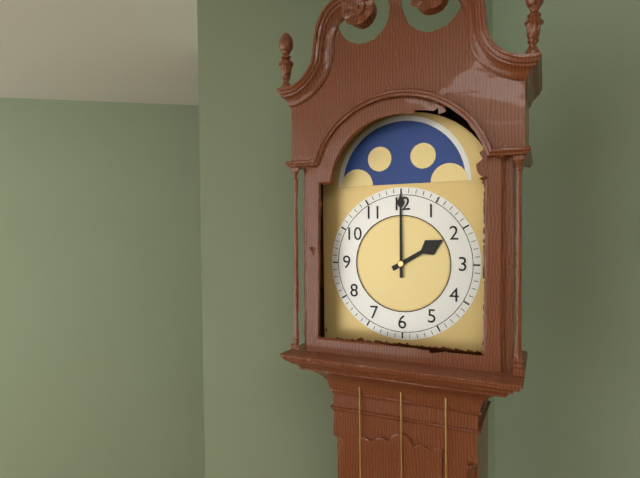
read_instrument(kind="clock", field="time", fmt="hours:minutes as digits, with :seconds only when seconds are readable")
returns 2:00
